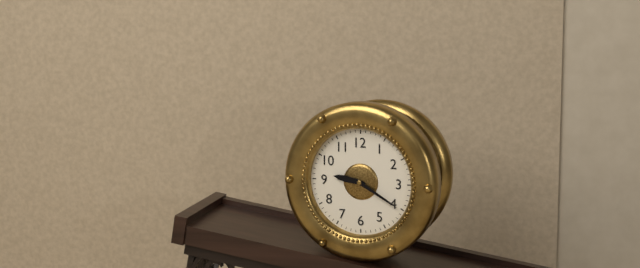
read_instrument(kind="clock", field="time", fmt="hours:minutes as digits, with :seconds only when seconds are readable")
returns 9:20
